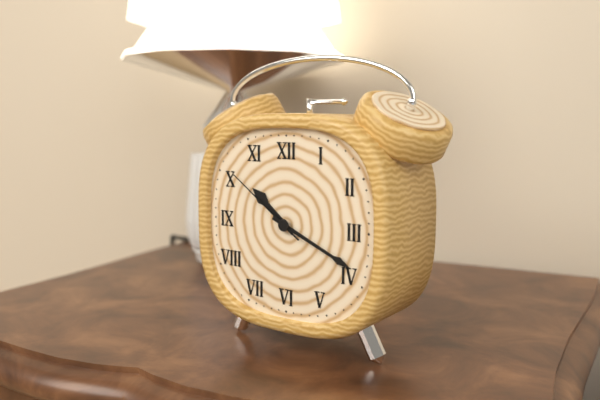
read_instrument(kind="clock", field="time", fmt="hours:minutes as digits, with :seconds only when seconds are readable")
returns 10:19:51
